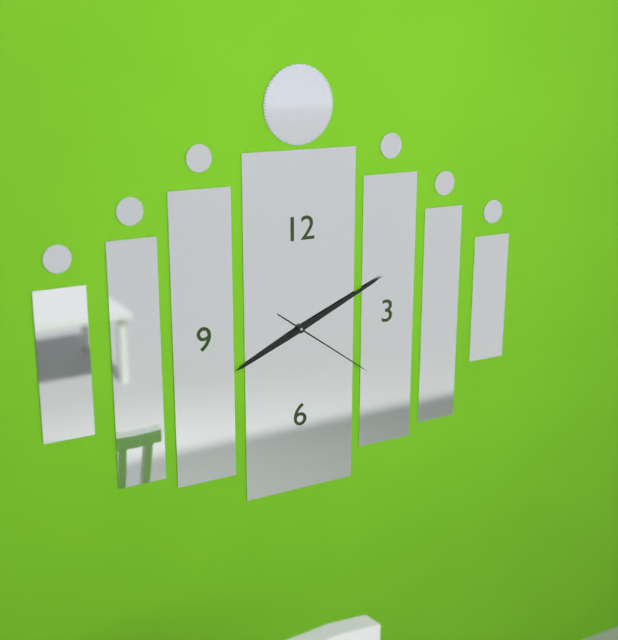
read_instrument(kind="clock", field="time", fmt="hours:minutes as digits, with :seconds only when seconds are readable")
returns 8:11:21
